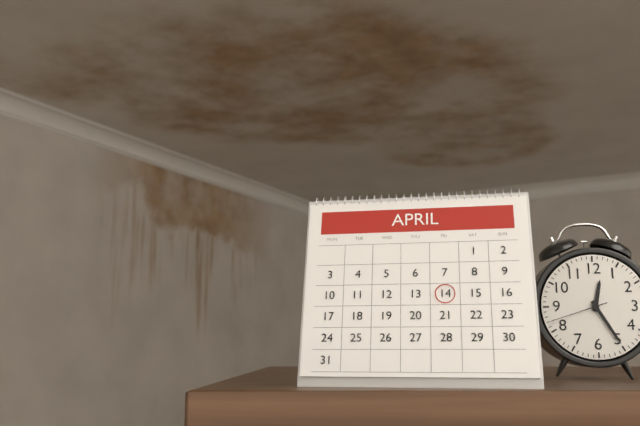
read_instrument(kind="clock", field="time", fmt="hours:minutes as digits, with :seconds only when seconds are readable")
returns 12:25:42
